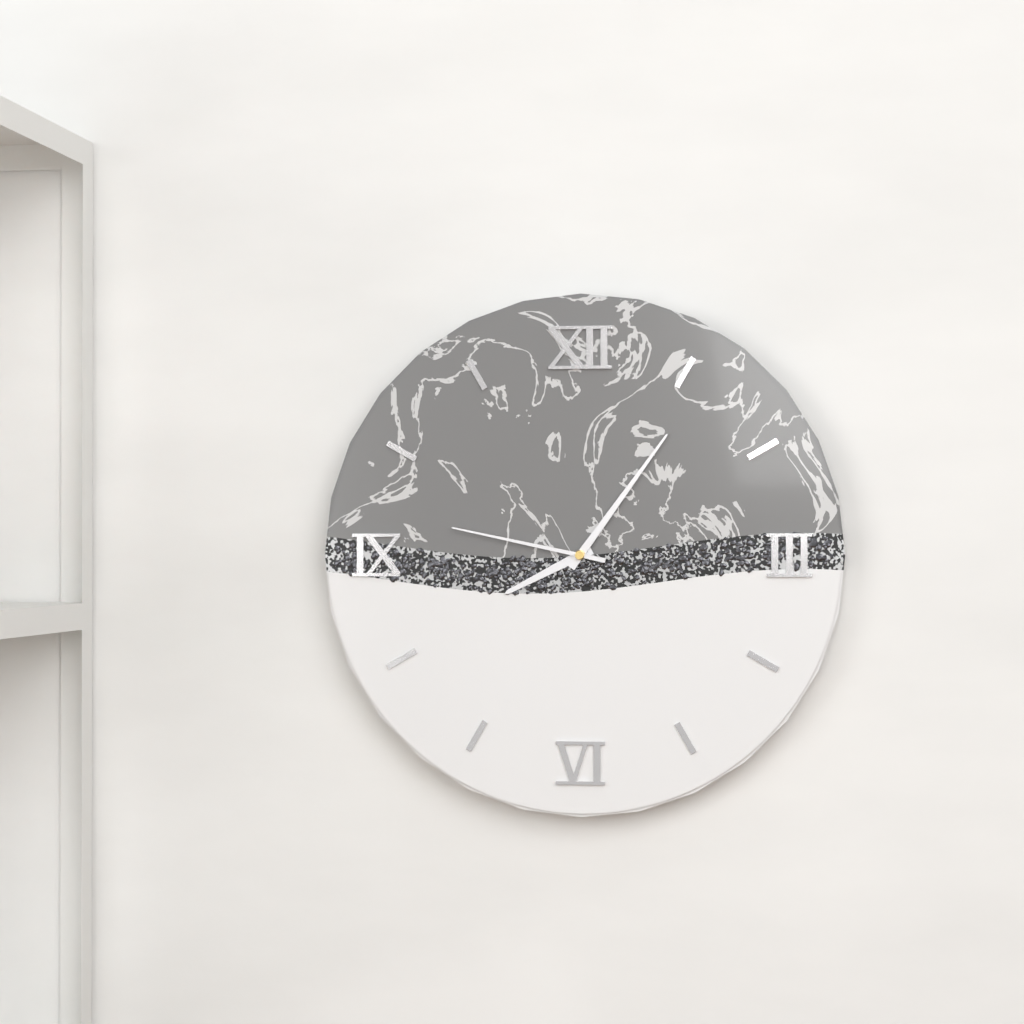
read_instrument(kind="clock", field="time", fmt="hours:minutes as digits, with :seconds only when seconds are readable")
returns 8:06:47
